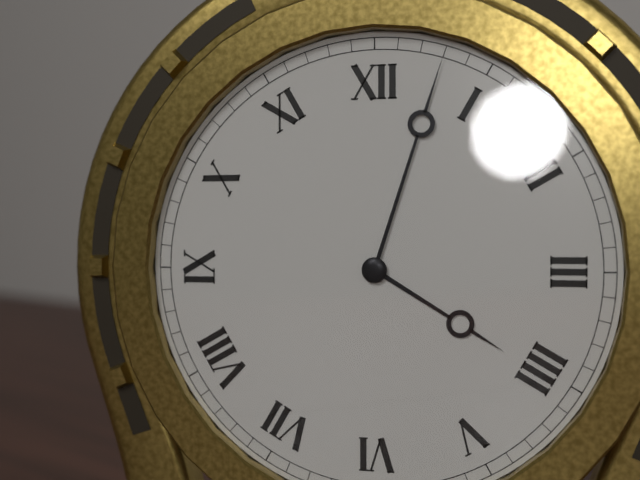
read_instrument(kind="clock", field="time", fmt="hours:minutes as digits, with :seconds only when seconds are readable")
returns 4:03
